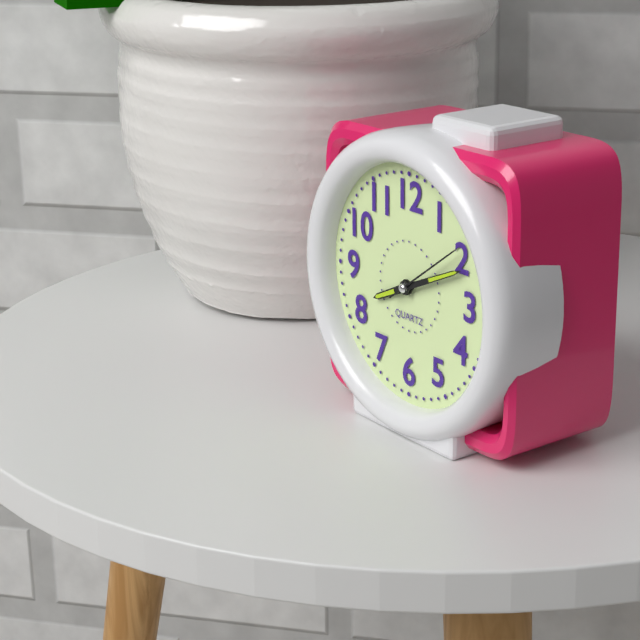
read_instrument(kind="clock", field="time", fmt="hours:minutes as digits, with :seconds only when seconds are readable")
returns 8:11:09
